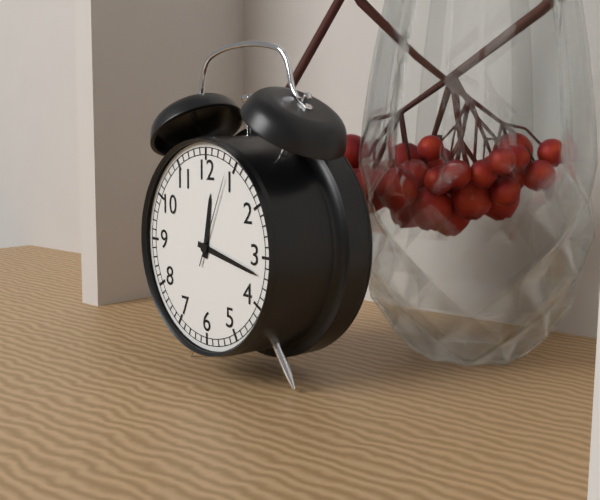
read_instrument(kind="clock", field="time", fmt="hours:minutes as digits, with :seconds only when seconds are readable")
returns 12:17:04
